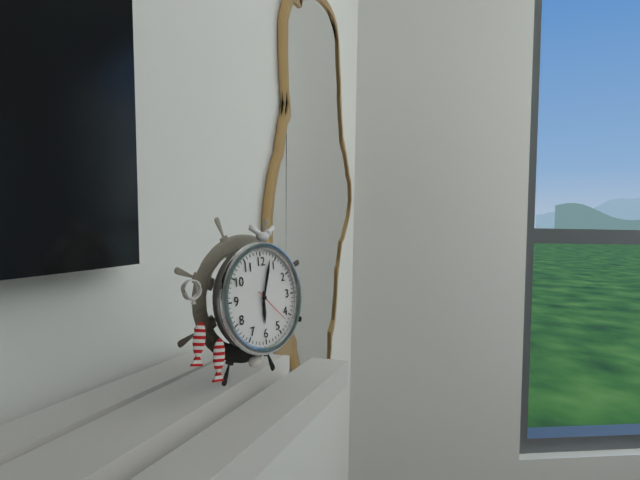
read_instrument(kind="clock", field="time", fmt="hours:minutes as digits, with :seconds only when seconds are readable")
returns 6:03
